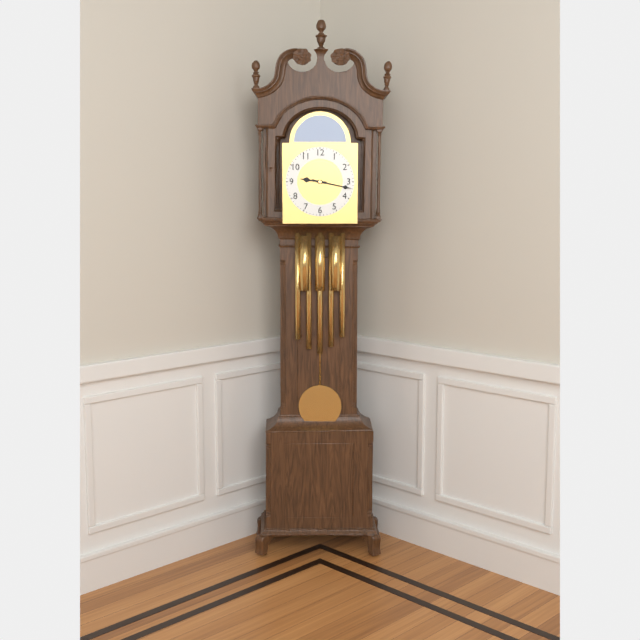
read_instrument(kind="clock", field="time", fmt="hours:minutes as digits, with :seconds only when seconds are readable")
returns 9:17
